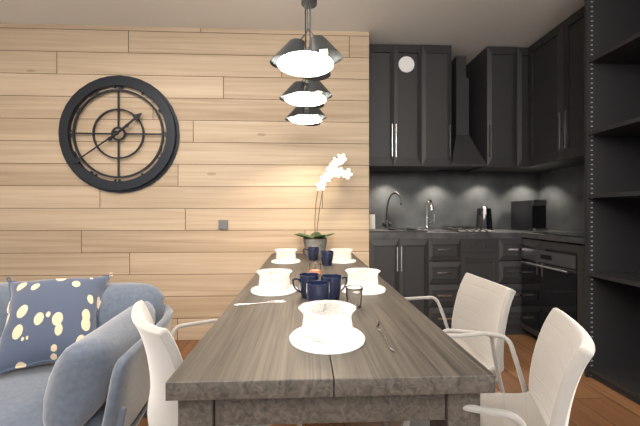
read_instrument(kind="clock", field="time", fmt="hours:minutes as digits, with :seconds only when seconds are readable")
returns 1:39
